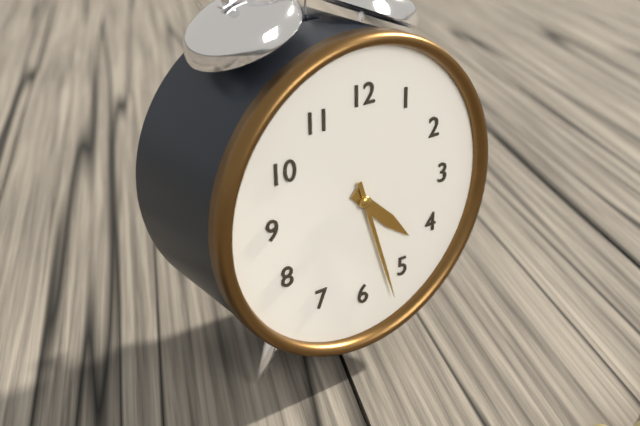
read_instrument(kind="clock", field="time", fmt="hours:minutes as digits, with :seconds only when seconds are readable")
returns 4:27
